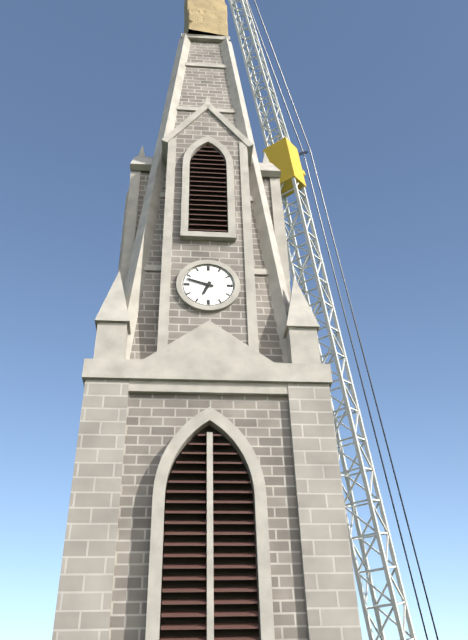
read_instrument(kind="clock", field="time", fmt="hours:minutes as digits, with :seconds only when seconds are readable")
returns 6:48
